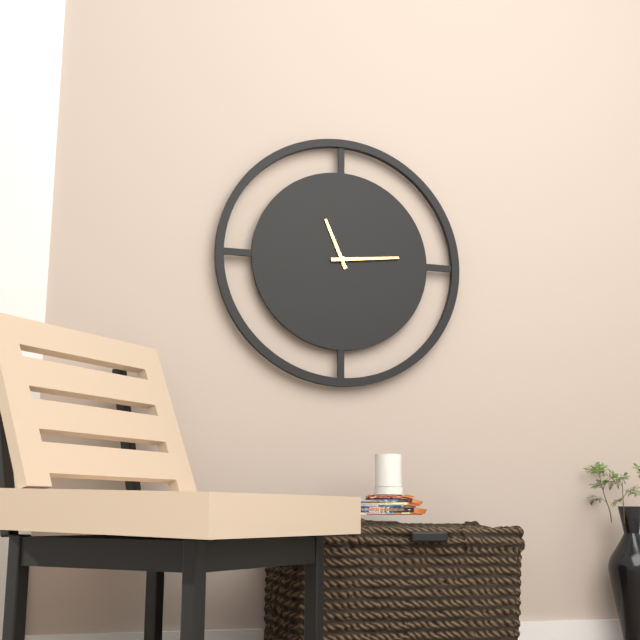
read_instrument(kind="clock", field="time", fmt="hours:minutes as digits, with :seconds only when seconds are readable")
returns 11:14
